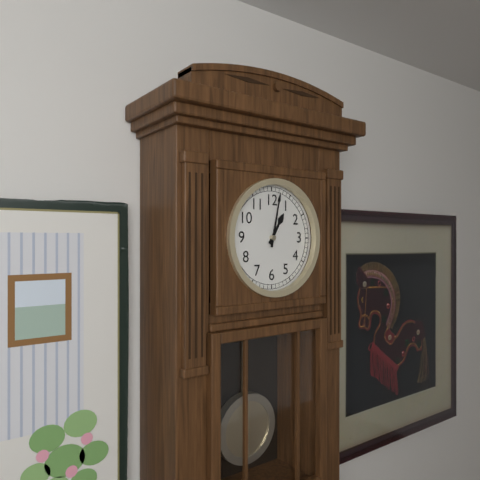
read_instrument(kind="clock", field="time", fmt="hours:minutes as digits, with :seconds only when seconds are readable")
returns 1:02
